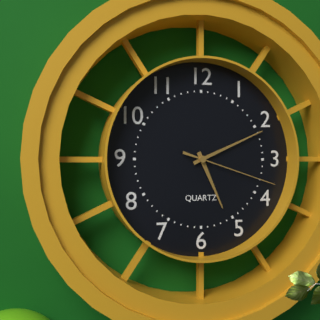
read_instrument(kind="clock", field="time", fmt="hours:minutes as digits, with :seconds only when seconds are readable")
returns 5:11:18
